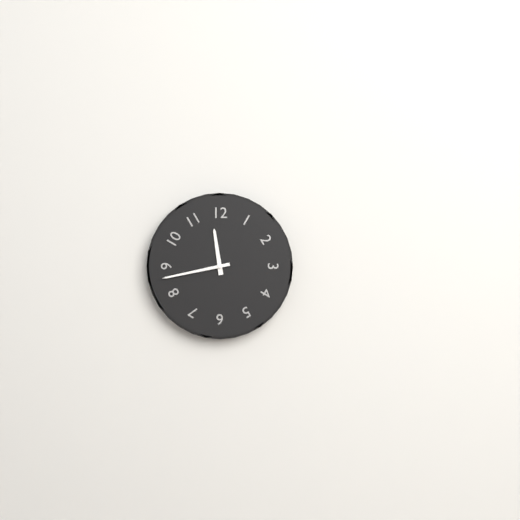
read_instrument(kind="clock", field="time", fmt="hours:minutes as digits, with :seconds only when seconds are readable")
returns 11:43
